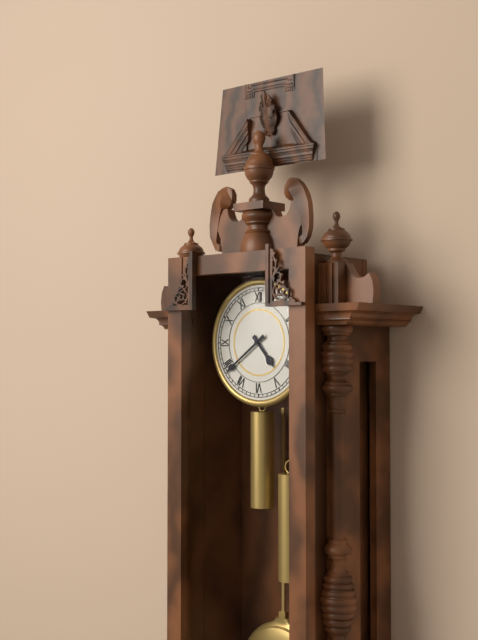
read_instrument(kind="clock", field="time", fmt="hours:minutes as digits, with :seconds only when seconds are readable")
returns 4:39
